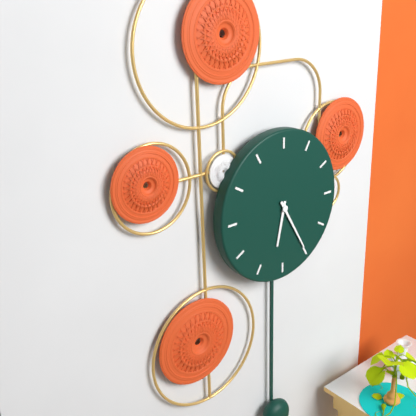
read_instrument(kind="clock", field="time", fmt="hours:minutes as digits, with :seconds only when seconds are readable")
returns 6:25
